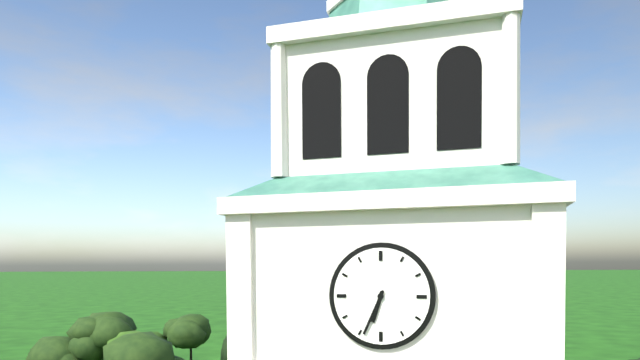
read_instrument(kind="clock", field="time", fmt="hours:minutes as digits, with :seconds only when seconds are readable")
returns 6:34
